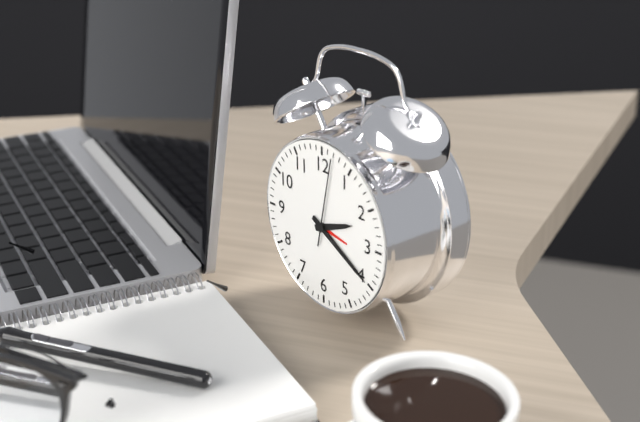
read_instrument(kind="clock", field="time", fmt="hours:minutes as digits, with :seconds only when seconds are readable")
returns 2:20:02
